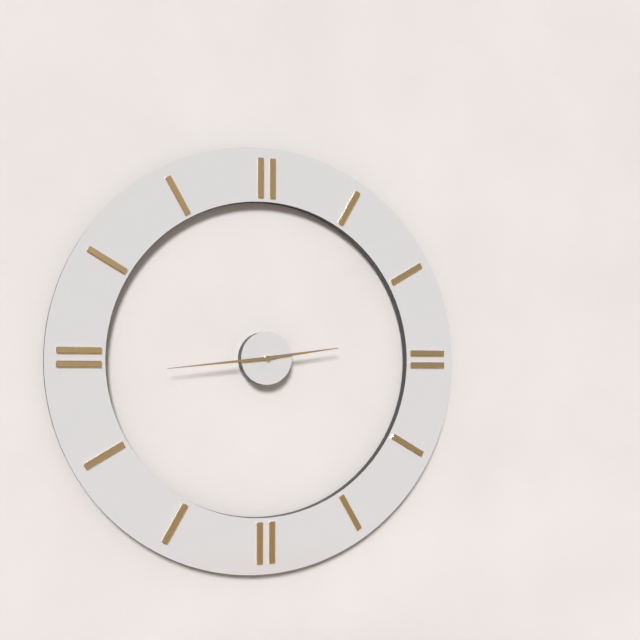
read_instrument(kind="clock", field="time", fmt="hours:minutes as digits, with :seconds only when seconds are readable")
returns 2:44
